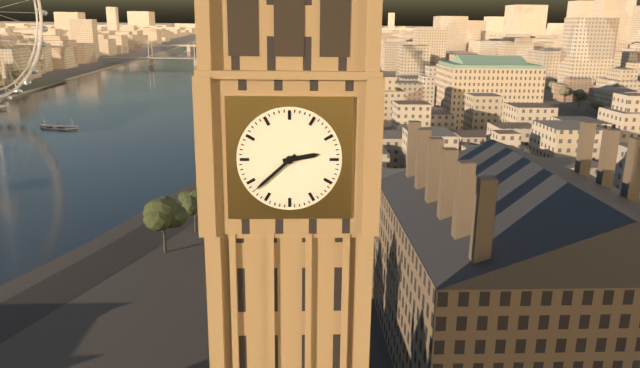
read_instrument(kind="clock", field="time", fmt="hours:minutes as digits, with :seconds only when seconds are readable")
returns 2:38
